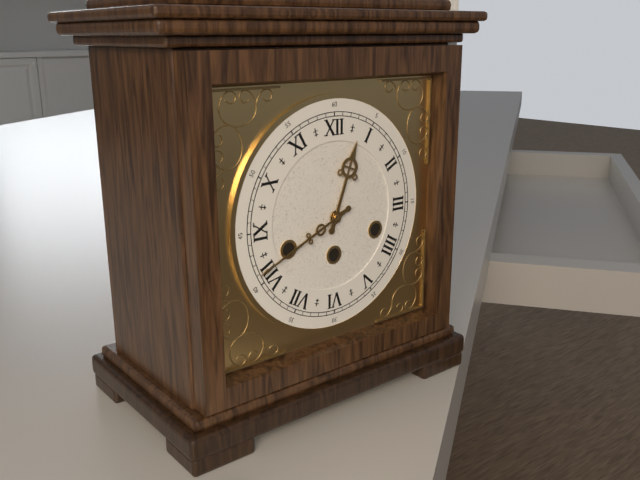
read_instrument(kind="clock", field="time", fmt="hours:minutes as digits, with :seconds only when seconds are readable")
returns 12:41
